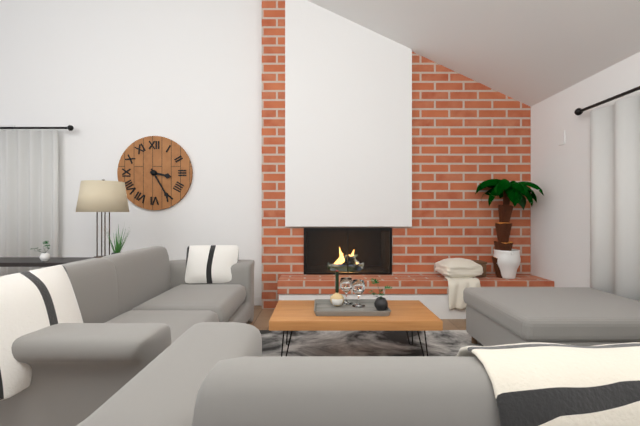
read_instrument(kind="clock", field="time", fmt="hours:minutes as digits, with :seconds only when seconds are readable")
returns 3:25
